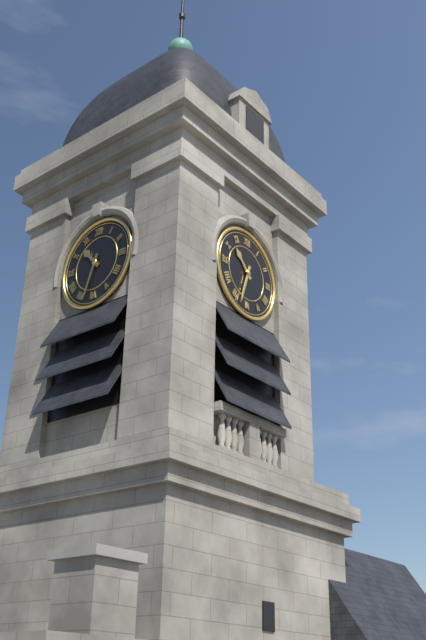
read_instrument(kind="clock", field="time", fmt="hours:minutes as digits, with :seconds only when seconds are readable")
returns 10:33
